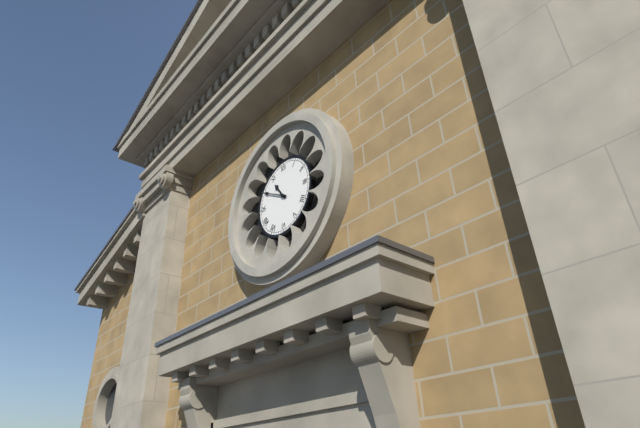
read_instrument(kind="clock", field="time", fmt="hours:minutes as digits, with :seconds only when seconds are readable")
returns 10:50
